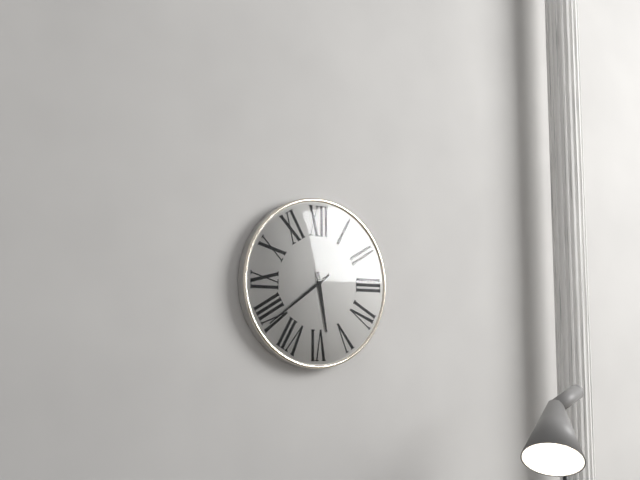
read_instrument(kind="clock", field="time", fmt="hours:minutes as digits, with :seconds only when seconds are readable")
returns 5:39
